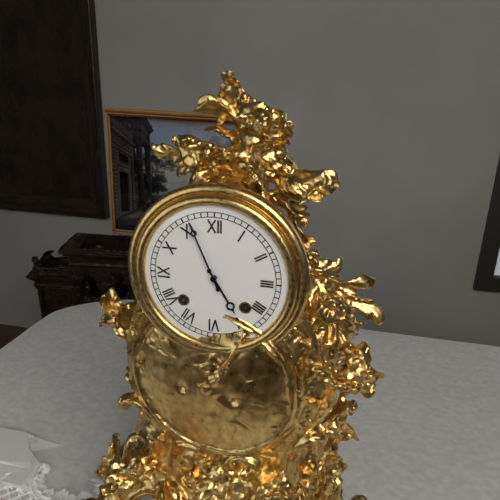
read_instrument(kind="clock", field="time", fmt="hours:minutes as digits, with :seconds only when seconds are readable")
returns 4:56
